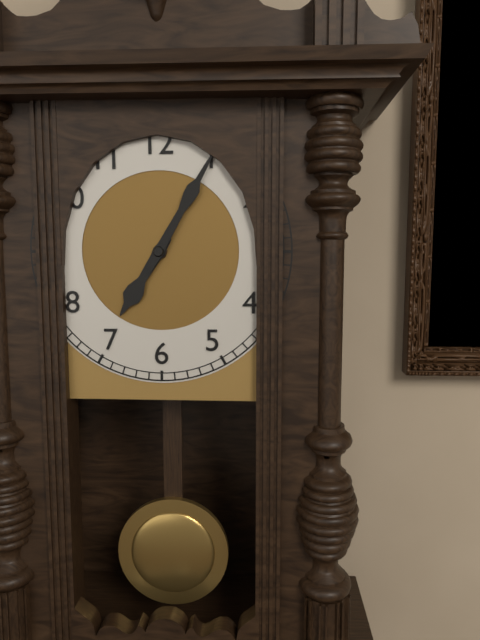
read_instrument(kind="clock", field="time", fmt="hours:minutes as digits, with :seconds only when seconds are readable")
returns 7:05
